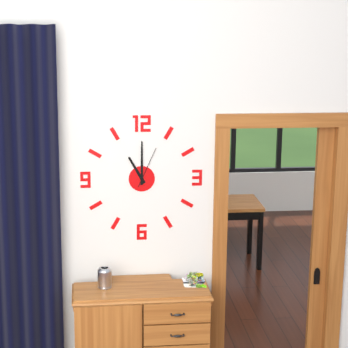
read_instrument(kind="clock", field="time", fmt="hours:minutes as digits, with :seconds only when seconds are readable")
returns 11:00
